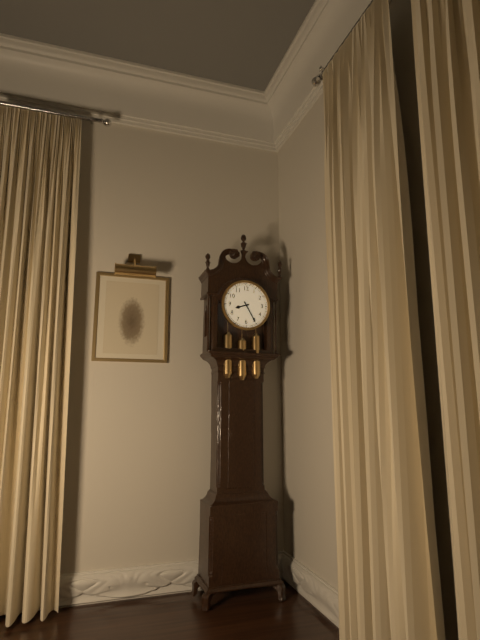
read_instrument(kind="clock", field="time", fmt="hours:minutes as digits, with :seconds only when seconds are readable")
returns 8:25
